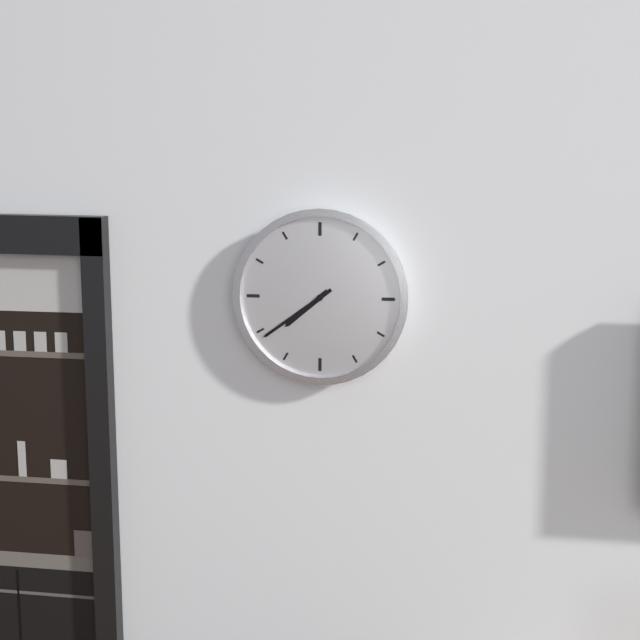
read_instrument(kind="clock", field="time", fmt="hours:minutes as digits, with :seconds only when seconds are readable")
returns 7:39
